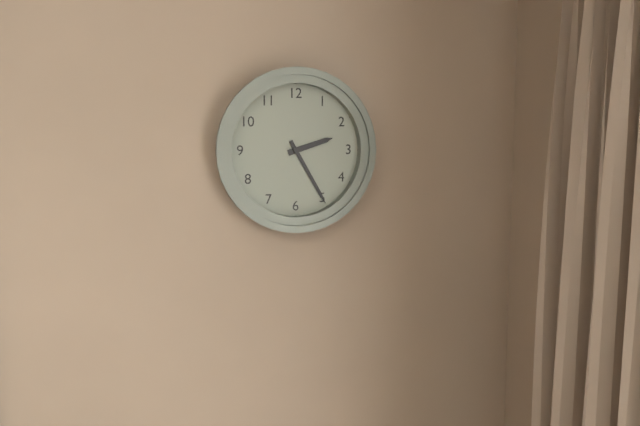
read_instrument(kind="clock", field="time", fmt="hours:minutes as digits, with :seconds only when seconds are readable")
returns 2:25
